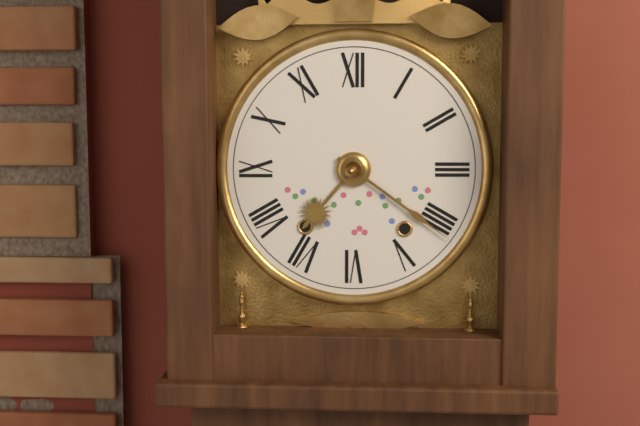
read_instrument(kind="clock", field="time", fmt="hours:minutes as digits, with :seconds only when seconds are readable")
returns 7:21
